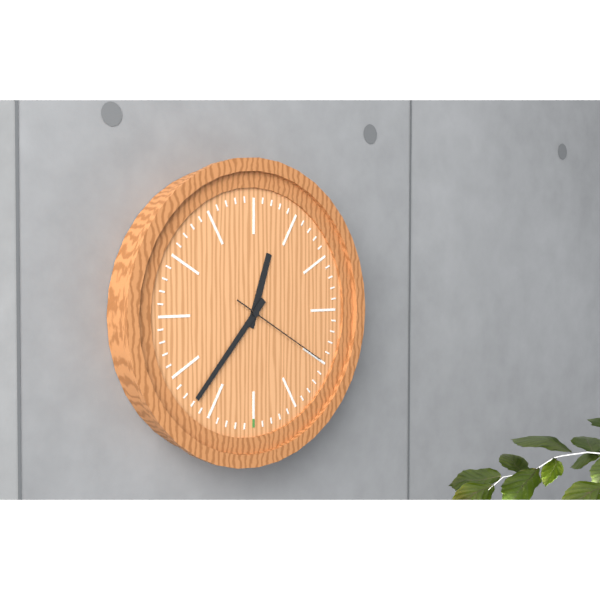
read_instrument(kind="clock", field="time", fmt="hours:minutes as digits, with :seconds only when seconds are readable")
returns 12:37:20
